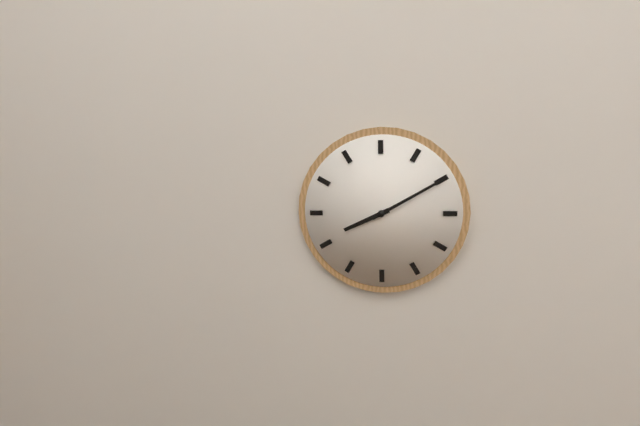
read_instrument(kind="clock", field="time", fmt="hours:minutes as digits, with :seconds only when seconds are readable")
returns 8:10
